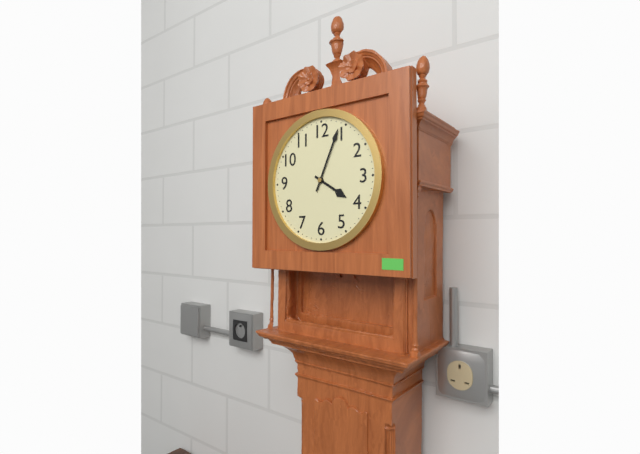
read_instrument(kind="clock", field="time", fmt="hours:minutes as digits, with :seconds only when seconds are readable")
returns 4:04
